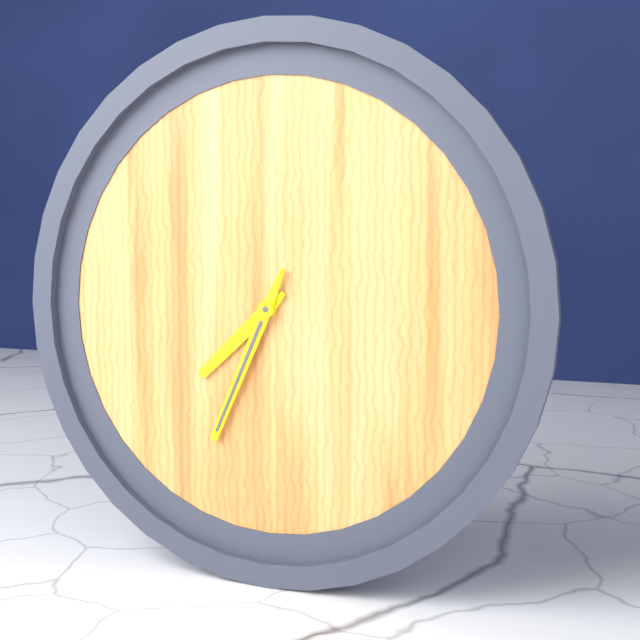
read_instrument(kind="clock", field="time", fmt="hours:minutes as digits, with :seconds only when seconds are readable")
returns 7:34
